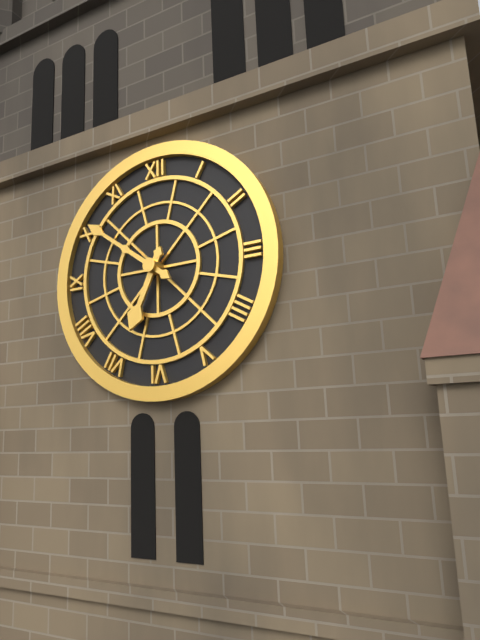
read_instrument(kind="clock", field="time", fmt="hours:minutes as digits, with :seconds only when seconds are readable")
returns 6:51
